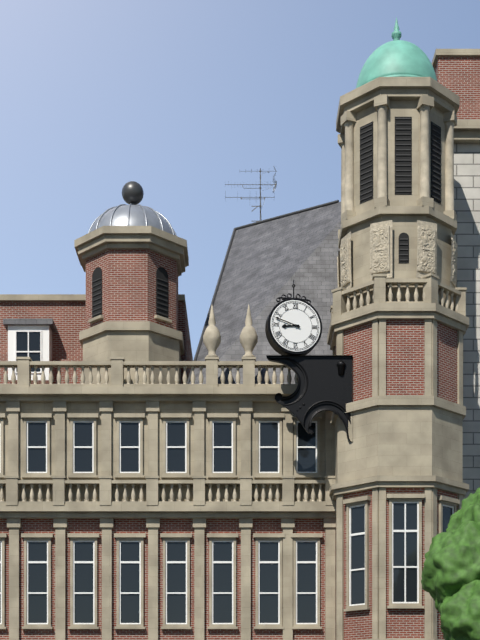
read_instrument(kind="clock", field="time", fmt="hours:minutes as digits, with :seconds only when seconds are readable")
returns 8:48
